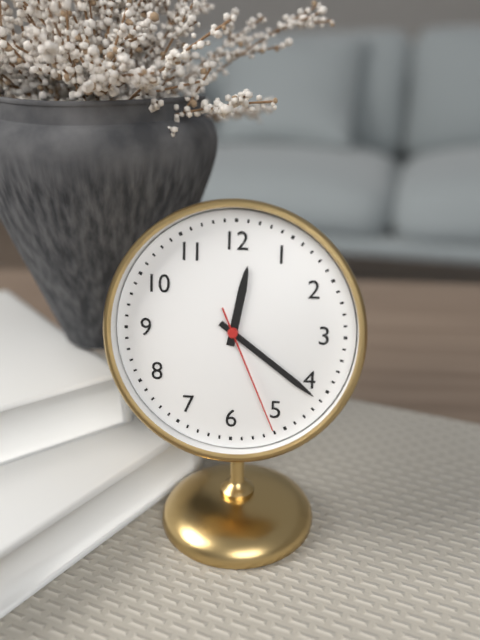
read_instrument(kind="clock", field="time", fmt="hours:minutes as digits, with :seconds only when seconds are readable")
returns 12:21:26
